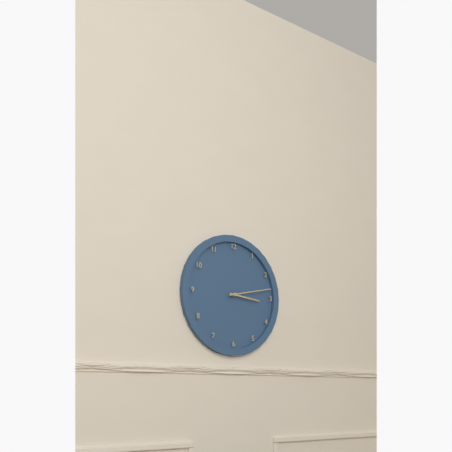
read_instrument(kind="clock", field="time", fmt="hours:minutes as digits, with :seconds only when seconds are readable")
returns 3:13
